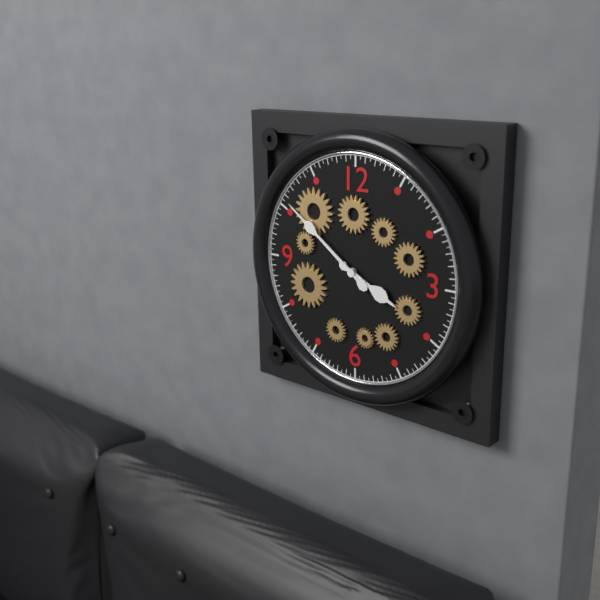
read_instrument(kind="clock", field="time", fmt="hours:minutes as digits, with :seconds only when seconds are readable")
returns 3:51
